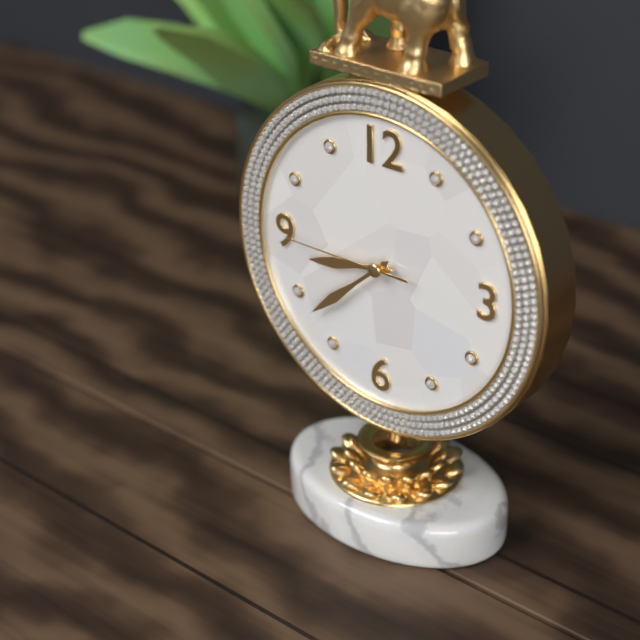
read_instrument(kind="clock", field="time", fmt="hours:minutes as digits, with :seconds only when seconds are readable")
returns 8:38:45
